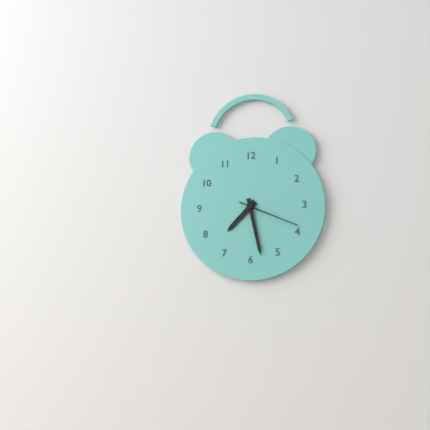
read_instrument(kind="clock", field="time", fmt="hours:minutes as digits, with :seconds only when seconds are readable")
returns 7:28:19
